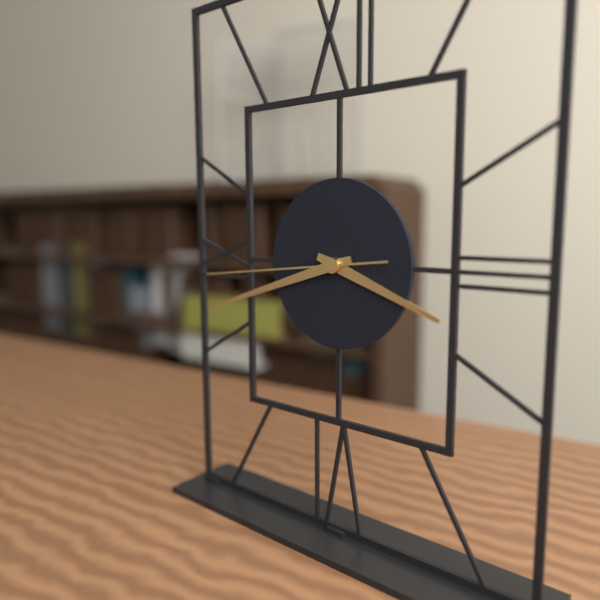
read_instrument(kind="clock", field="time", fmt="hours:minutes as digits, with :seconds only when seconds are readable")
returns 3:42:44
